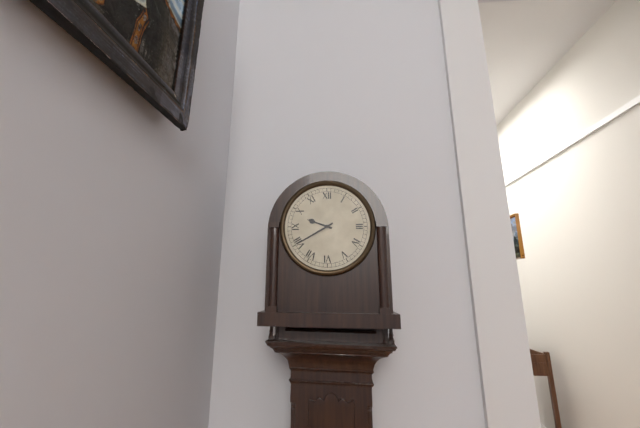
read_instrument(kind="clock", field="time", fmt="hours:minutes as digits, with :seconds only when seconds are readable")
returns 9:40
